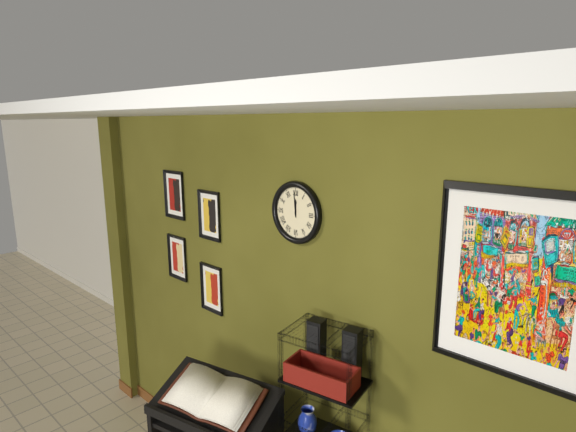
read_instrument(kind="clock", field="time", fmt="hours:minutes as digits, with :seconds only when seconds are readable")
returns 11:59
